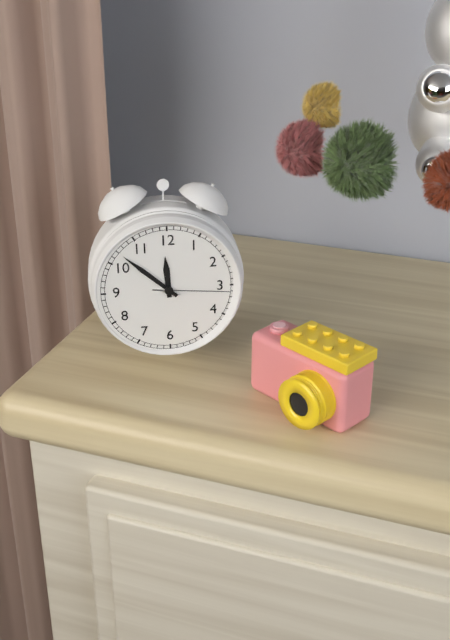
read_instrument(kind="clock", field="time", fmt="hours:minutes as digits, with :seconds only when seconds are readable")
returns 11:52:16
